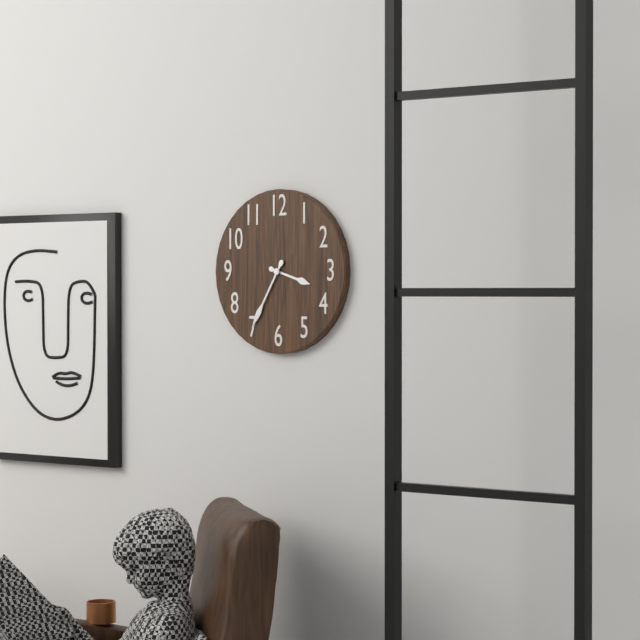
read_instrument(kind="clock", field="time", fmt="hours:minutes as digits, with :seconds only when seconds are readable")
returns 3:35
